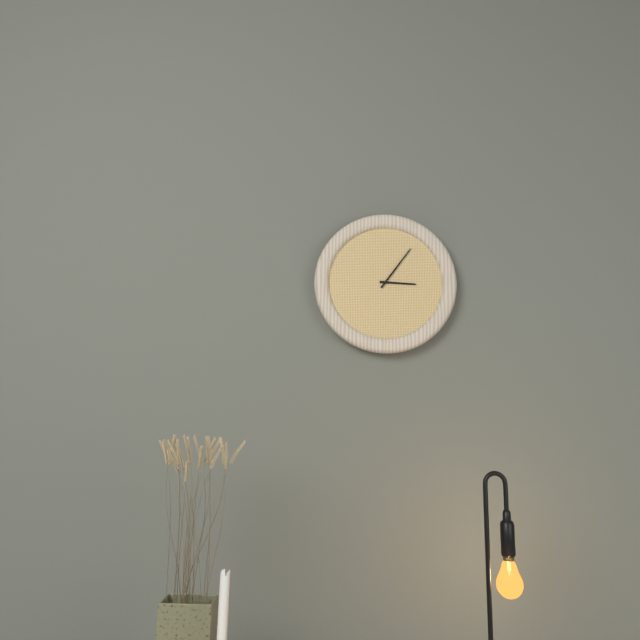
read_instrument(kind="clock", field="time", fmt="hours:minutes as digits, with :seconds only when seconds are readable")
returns 3:06
